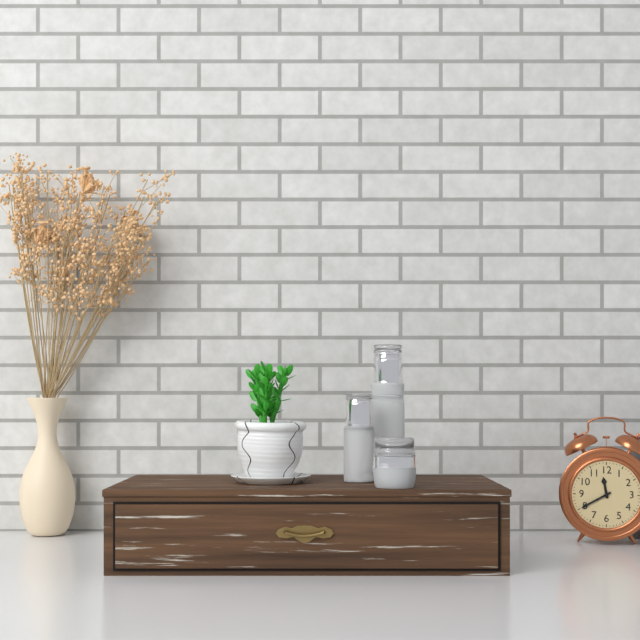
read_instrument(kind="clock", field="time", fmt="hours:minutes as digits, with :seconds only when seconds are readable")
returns 11:40
